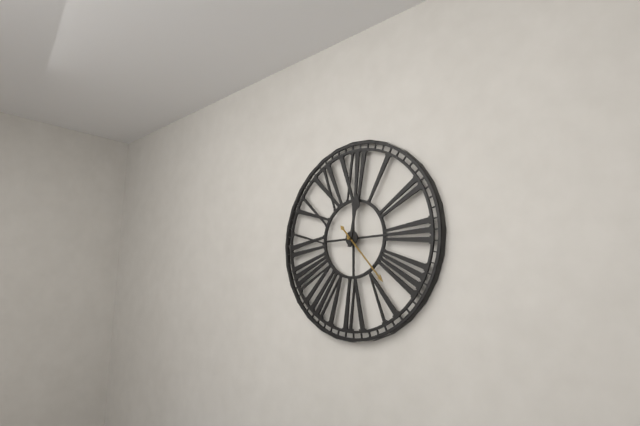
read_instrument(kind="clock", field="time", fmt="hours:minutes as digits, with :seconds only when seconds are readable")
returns 12:23
